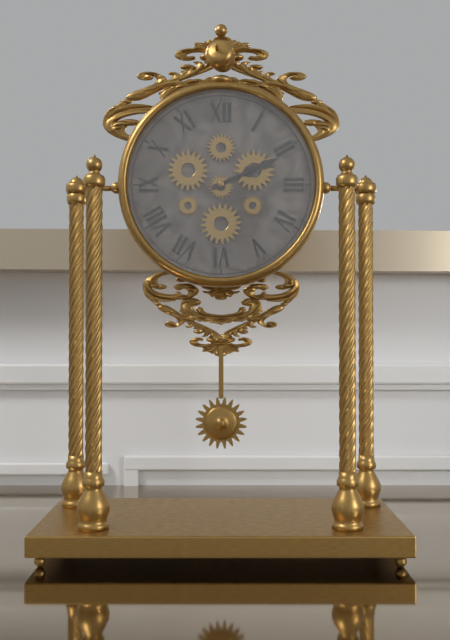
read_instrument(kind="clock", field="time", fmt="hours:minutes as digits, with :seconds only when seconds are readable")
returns 2:11
